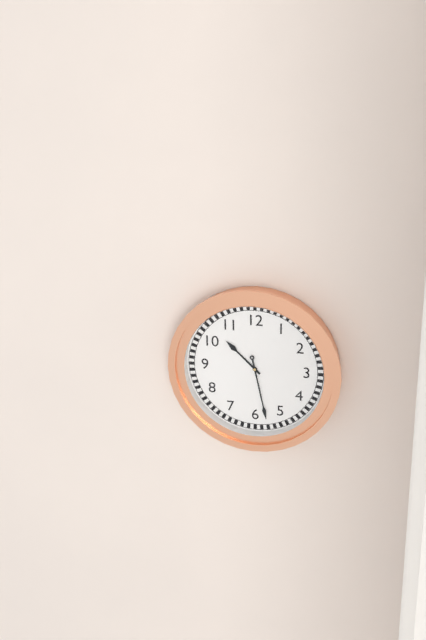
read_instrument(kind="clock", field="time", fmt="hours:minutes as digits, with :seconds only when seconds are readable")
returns 10:28
